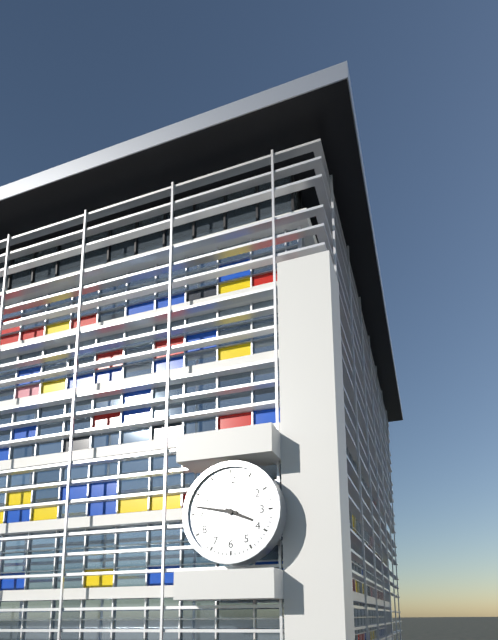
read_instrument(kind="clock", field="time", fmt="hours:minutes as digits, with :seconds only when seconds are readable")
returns 3:47
